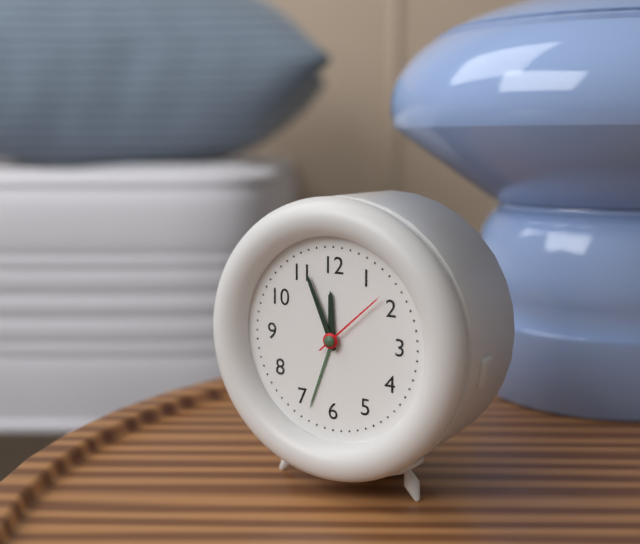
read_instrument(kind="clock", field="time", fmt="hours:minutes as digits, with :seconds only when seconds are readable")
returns 11:56:08
